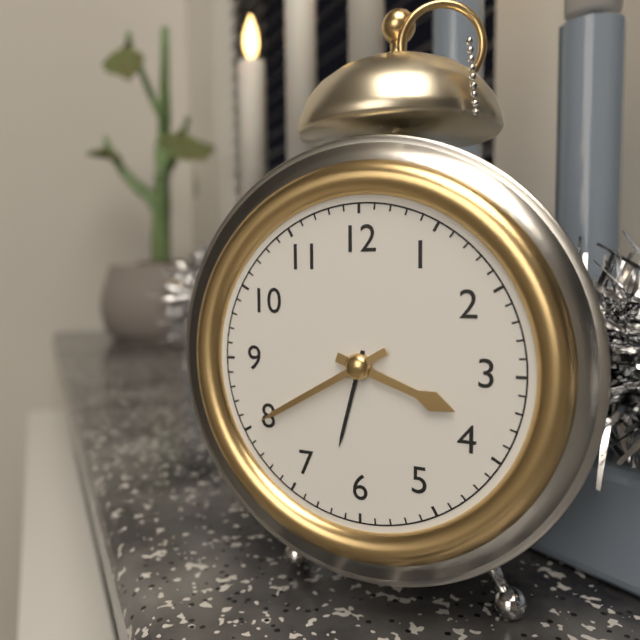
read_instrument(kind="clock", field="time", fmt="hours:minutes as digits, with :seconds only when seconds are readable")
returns 3:40
